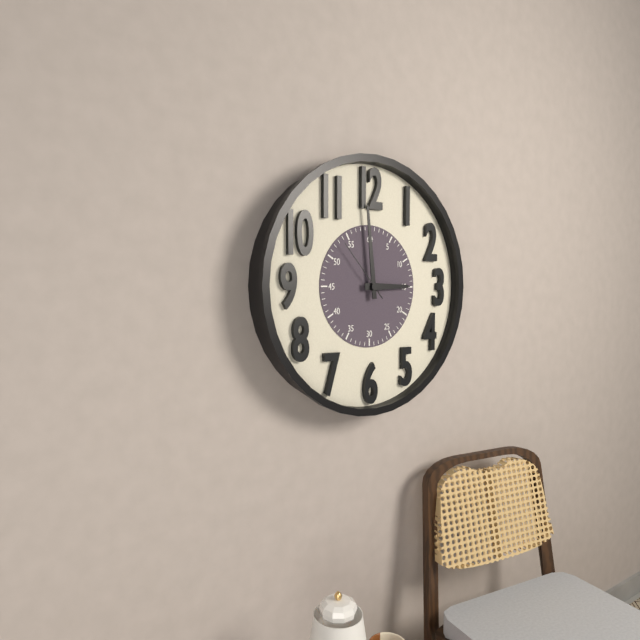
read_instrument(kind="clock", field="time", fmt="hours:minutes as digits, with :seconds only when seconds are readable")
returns 2:59:53
